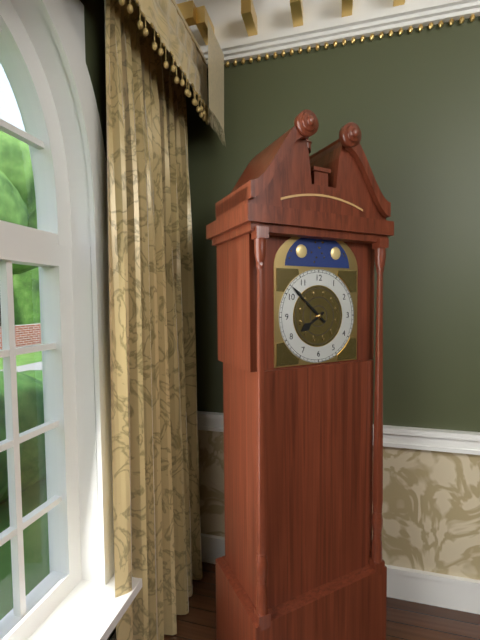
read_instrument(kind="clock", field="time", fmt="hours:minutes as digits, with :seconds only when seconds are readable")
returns 7:52
